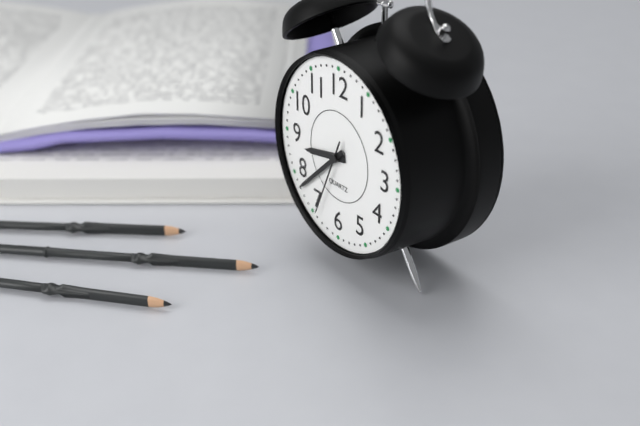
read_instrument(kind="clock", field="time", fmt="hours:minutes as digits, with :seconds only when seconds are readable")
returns 8:38:34
